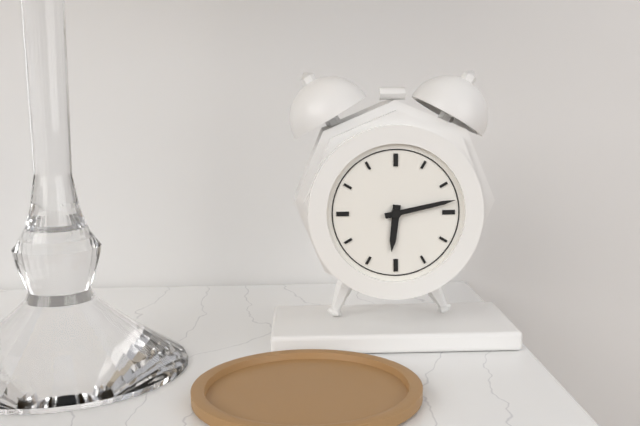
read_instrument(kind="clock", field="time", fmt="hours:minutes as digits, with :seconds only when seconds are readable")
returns 6:13
